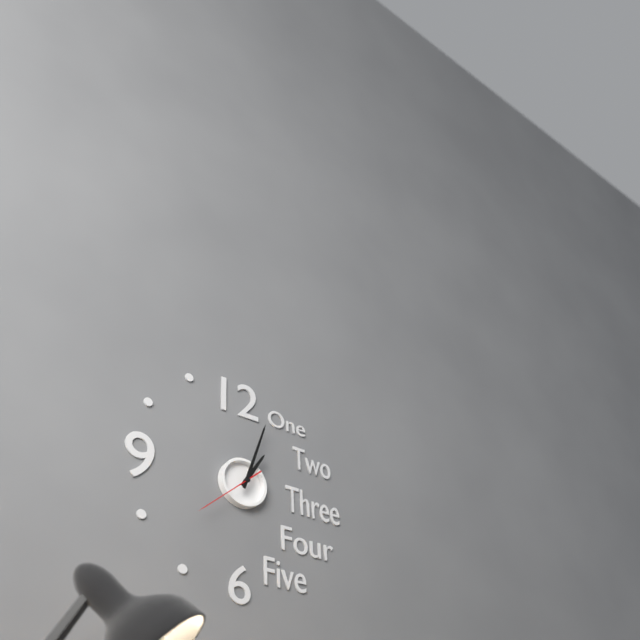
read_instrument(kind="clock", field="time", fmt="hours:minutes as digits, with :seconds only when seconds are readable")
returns 1:03:38
